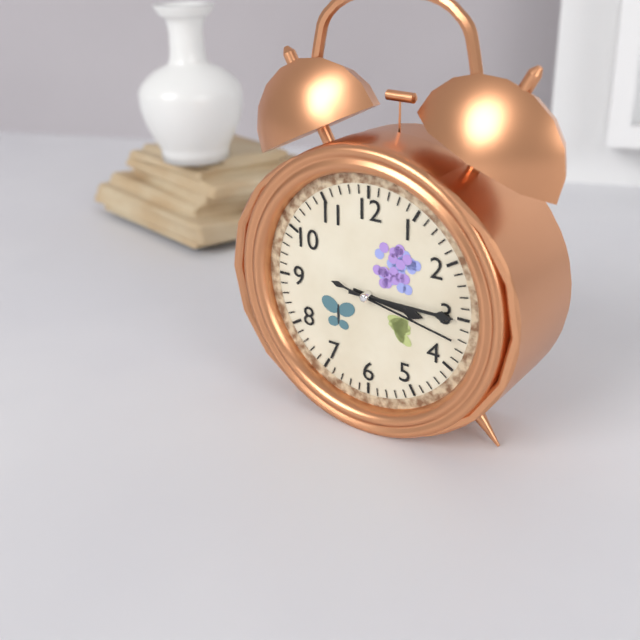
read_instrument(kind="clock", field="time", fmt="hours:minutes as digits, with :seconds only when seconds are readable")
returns 3:15:17
